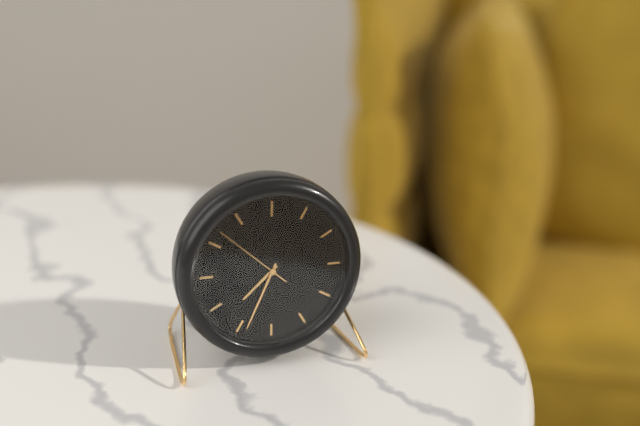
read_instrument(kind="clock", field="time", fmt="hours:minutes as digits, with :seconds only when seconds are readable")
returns 7:34:52
